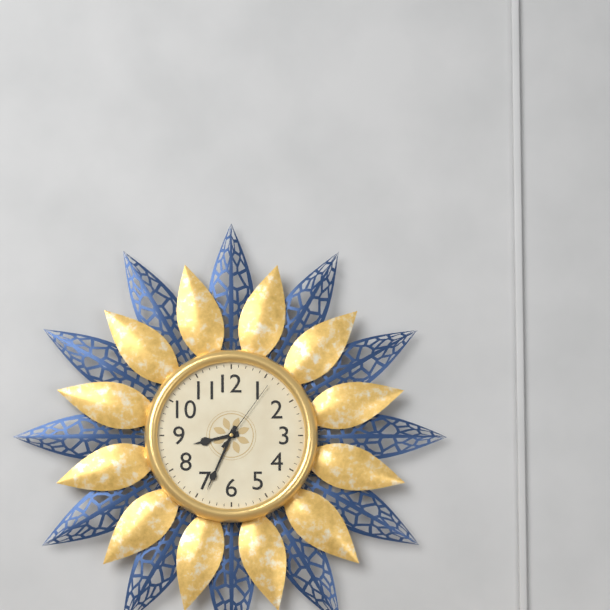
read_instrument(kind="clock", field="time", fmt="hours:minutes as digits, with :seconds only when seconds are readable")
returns 8:34:06
